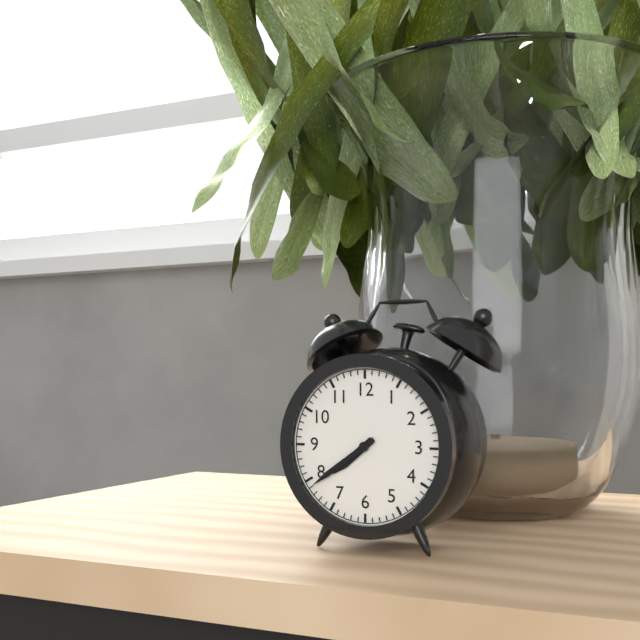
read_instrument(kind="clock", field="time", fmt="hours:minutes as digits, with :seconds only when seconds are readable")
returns 7:39
